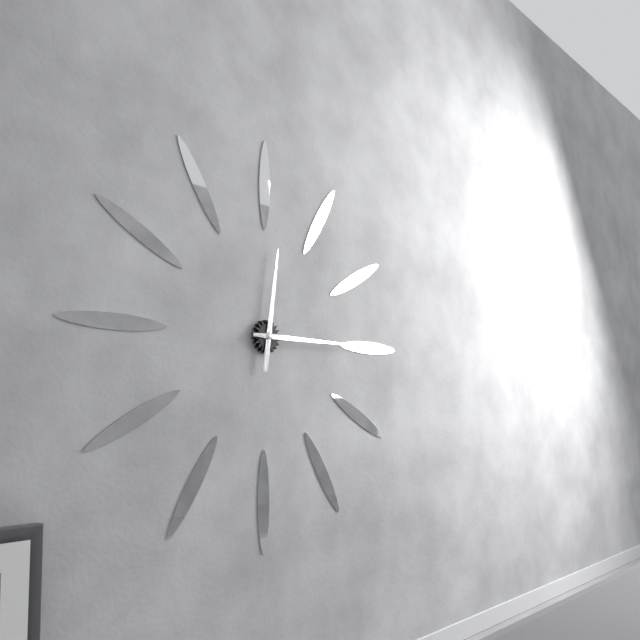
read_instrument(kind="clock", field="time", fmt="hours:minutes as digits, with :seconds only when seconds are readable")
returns 12:15
